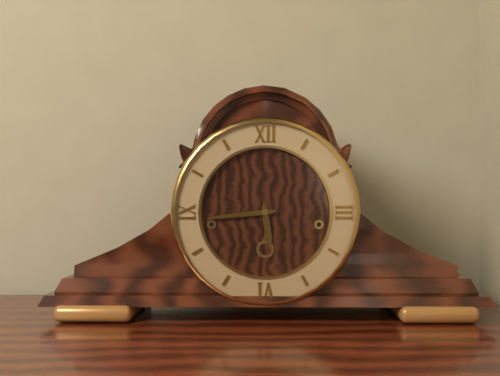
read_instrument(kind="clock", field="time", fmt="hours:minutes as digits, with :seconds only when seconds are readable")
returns 5:44
